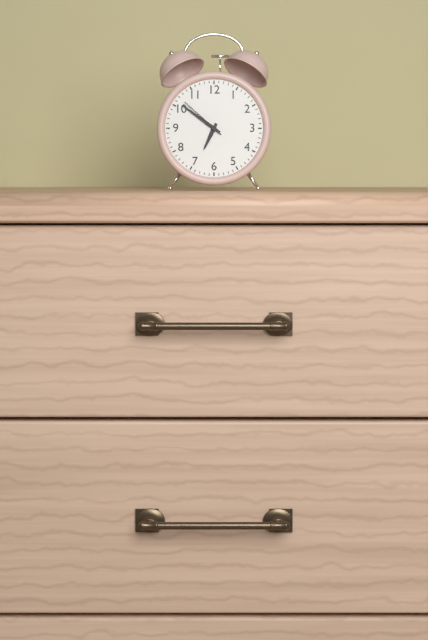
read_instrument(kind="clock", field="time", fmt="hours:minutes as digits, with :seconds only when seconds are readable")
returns 6:51
